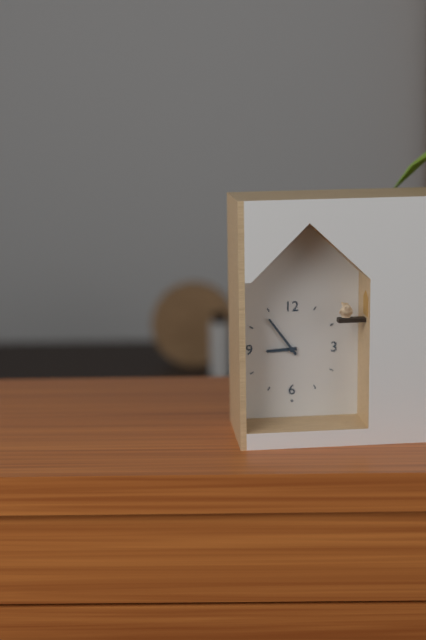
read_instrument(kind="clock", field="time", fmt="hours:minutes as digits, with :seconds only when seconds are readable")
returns 8:54
